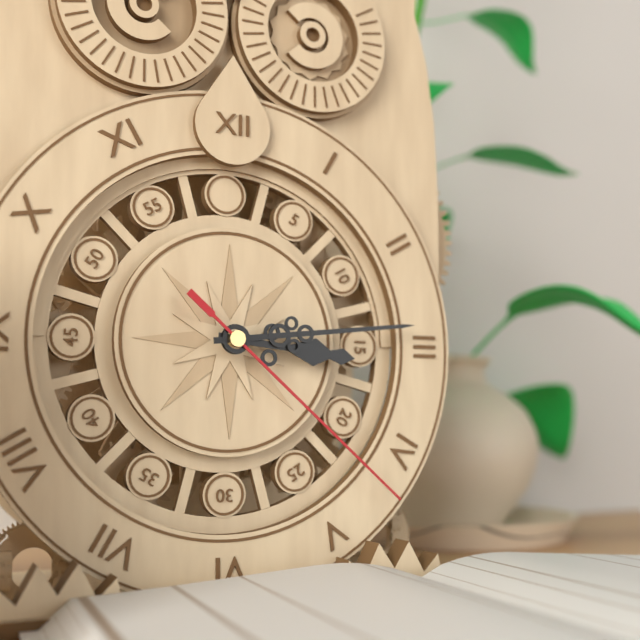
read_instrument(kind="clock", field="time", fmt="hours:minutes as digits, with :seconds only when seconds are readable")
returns 3:14:22
